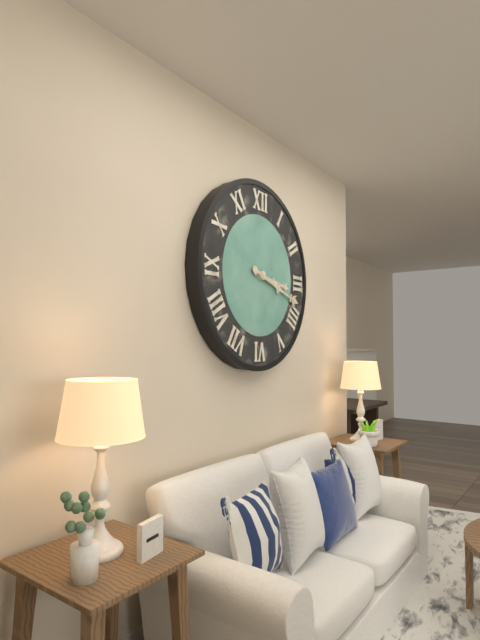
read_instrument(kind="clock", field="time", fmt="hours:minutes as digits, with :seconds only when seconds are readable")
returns 3:18
